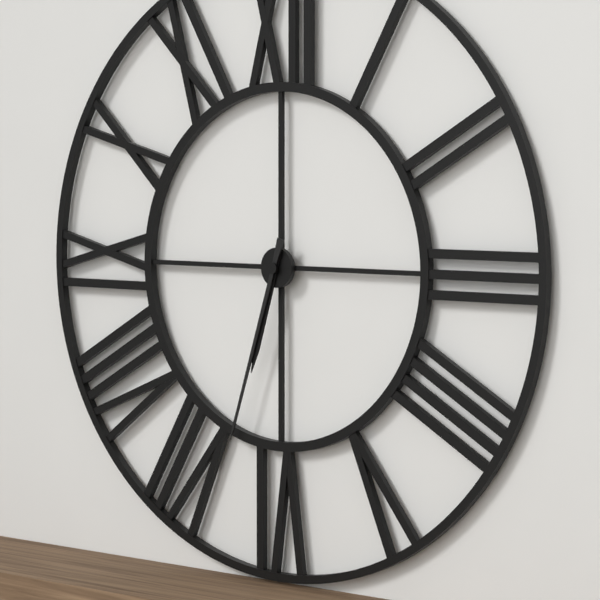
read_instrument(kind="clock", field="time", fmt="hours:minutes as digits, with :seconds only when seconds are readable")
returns 6:33
